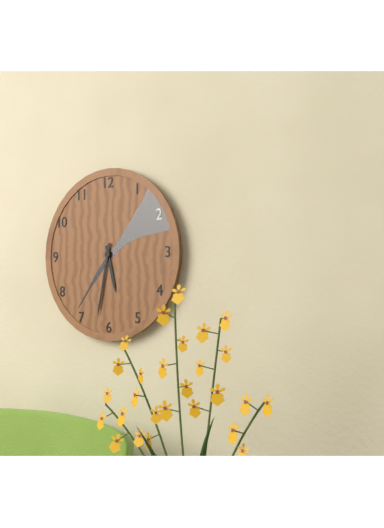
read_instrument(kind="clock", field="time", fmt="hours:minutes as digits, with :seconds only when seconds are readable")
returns 5:32
